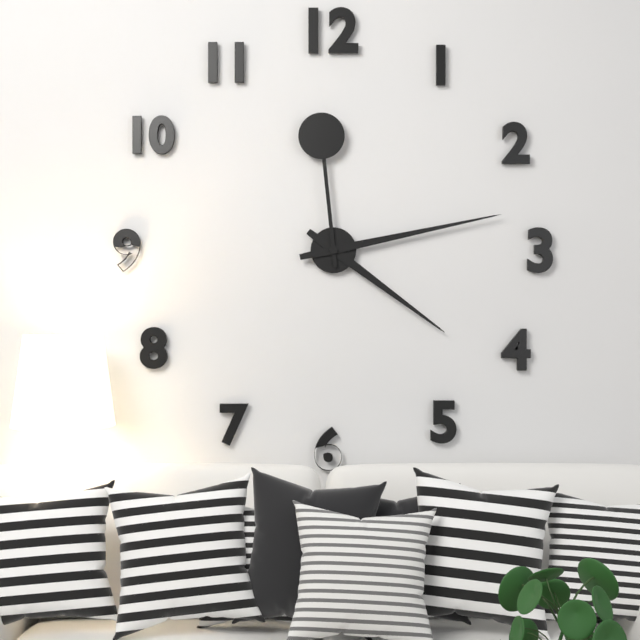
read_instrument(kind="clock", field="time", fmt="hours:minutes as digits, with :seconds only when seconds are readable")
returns 4:13:59
